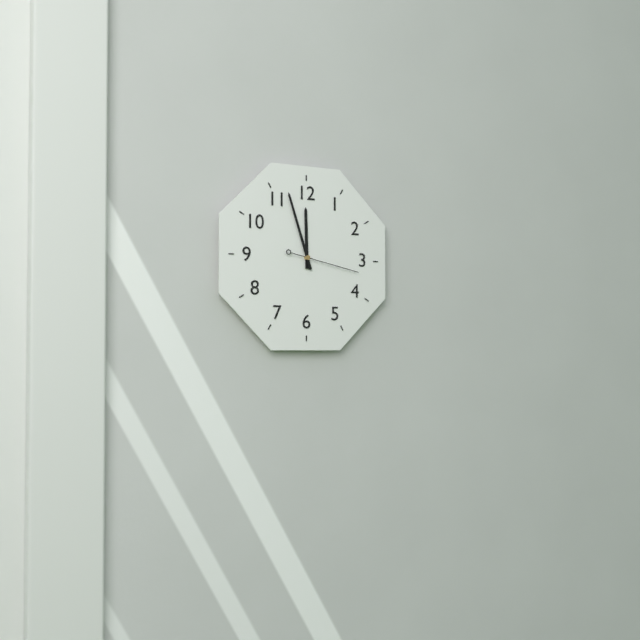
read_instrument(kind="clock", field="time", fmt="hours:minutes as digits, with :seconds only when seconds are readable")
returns 11:57:17
